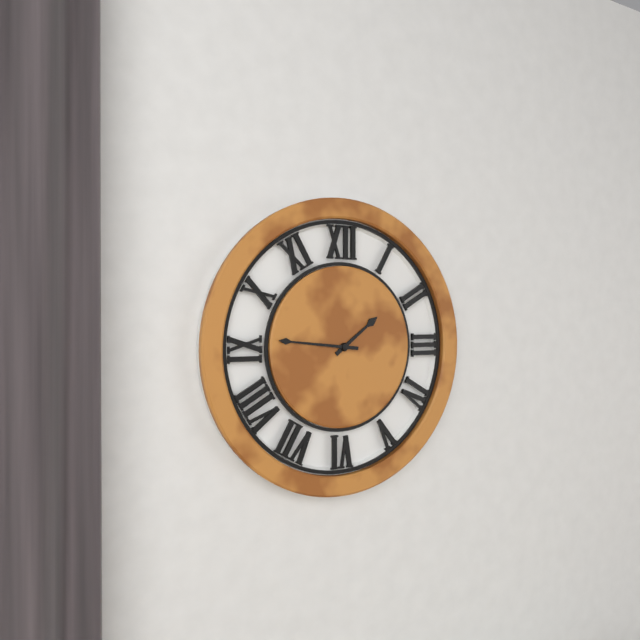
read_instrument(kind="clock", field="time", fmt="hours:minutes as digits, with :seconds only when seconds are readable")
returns 1:46
